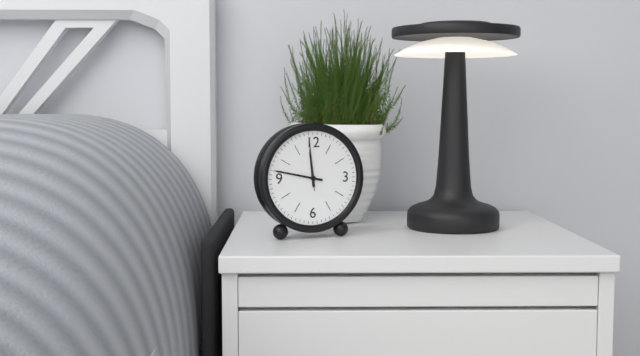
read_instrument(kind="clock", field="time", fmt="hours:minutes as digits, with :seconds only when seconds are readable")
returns 11:47:59
